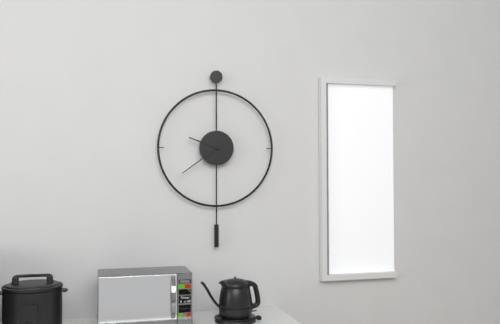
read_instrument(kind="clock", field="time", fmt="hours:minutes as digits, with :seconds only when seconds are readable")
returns 9:39
